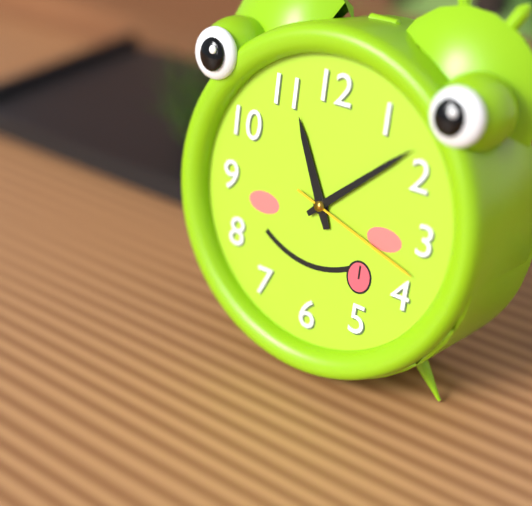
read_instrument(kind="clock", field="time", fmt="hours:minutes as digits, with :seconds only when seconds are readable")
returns 11:08:18
